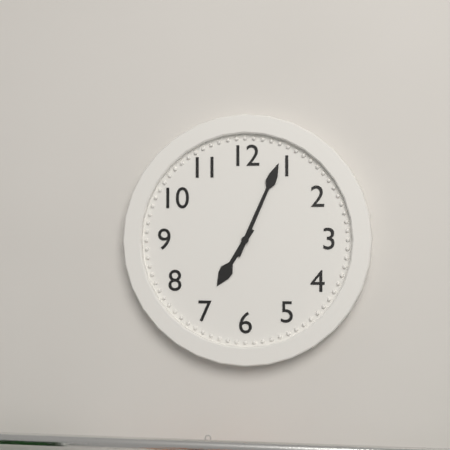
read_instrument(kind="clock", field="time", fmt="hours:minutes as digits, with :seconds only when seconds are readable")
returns 7:04
